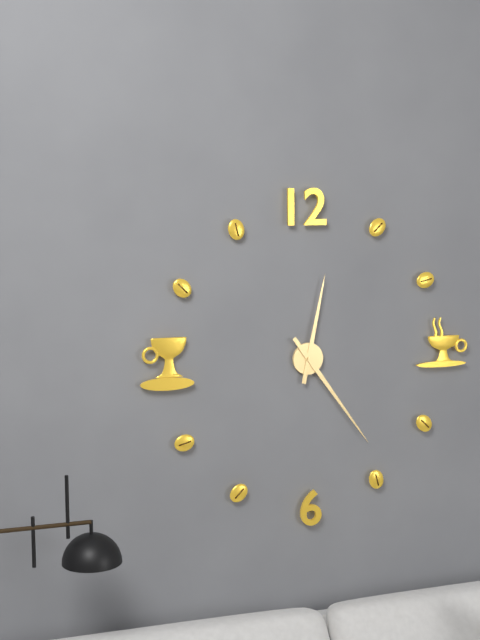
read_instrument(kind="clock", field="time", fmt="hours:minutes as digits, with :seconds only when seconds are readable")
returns 12:24
